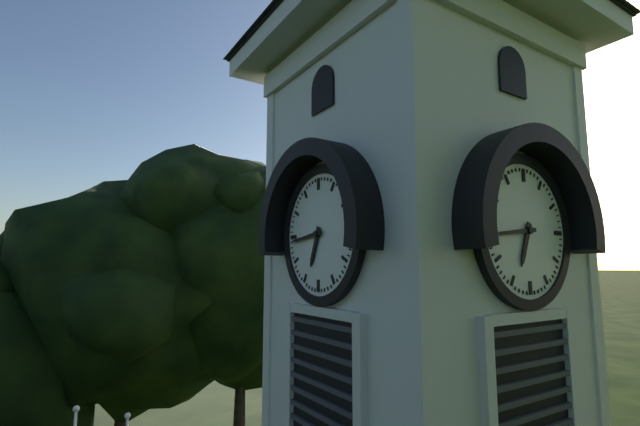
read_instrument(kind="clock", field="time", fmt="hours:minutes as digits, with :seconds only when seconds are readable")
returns 6:44
